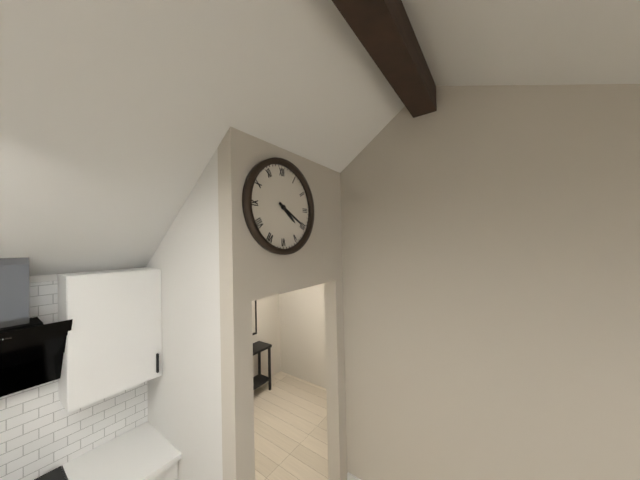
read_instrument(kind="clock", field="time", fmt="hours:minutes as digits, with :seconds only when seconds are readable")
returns 4:20
